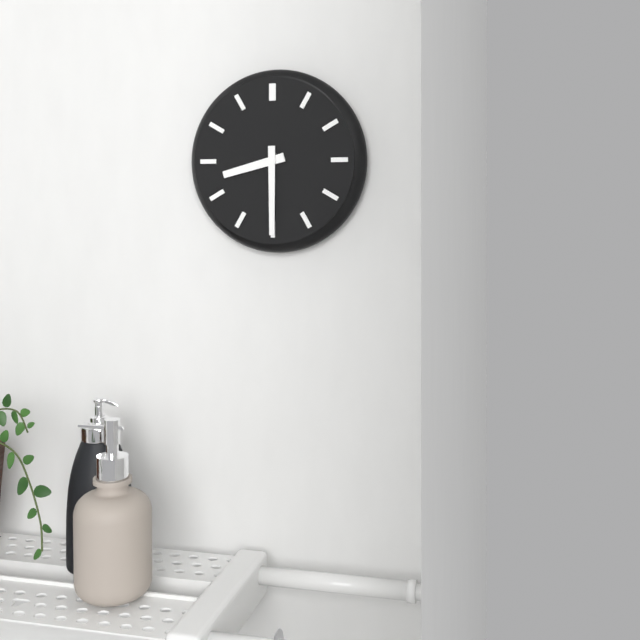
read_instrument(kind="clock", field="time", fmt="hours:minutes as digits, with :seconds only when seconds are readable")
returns 8:30
